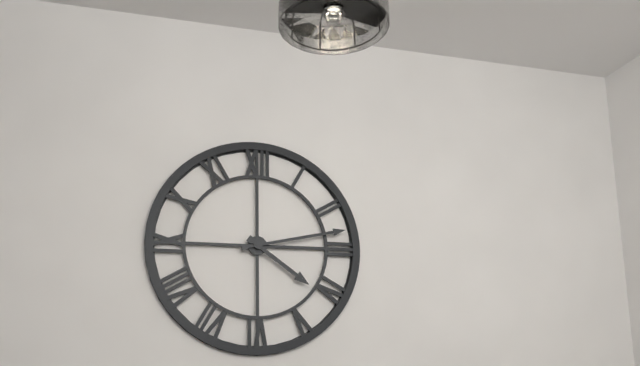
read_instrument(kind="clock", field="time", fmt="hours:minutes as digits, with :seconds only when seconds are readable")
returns 4:13
